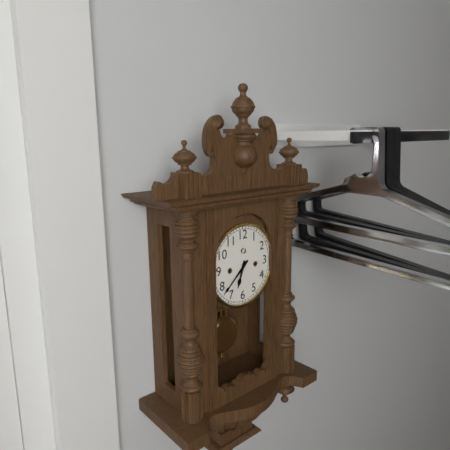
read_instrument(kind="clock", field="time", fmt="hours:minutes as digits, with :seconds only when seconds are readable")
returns 6:38
